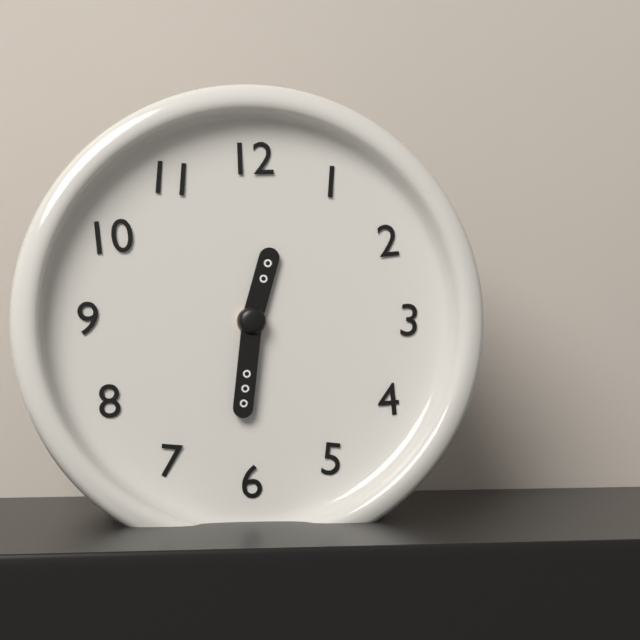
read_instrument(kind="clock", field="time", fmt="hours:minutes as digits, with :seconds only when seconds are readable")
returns 12:31
